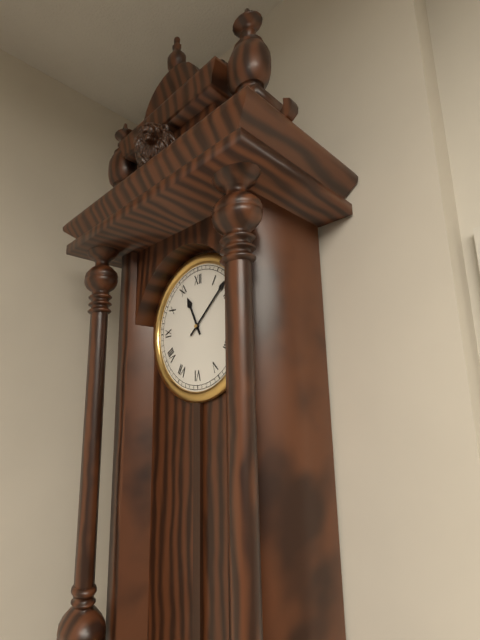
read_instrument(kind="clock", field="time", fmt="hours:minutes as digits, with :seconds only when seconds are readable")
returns 11:08
